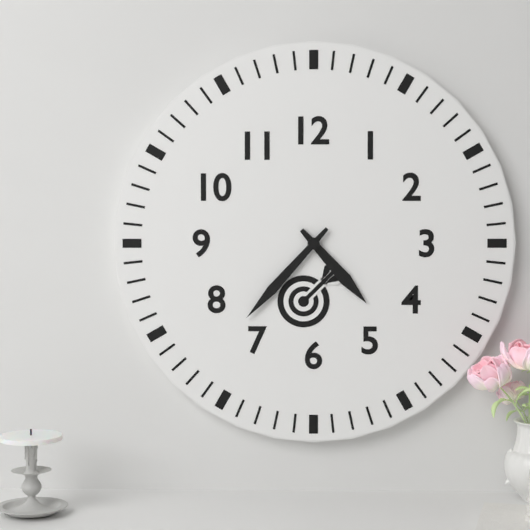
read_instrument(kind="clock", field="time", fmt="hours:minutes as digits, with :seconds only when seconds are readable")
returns 4:37
